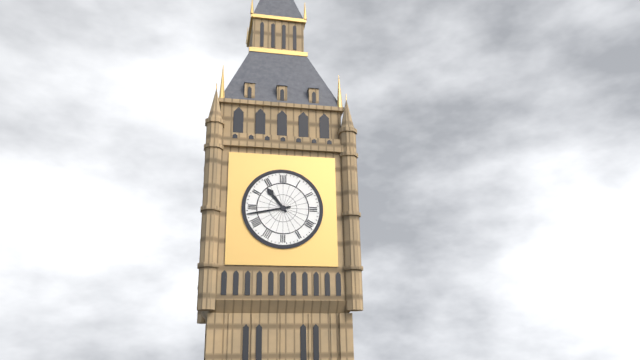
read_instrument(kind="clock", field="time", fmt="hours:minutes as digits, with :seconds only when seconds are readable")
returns 10:43
